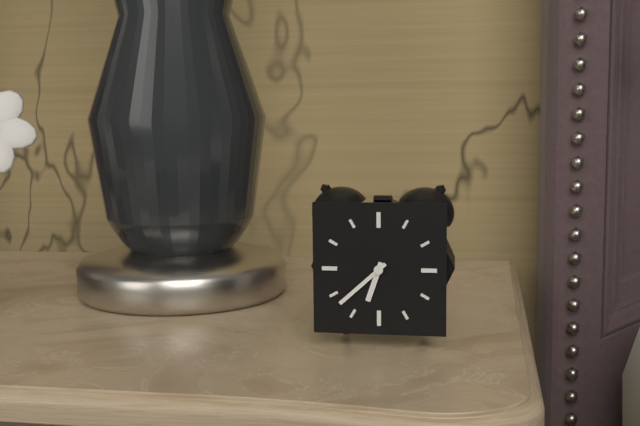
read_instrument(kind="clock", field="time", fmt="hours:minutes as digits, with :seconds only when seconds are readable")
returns 6:38
